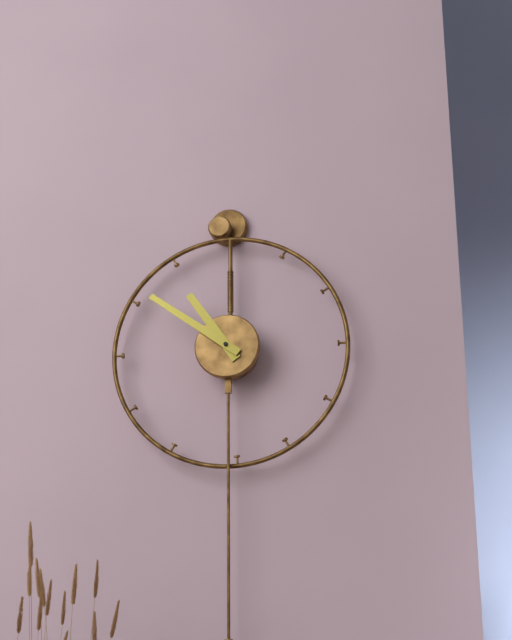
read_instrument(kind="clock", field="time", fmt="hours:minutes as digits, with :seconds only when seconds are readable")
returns 10:51
